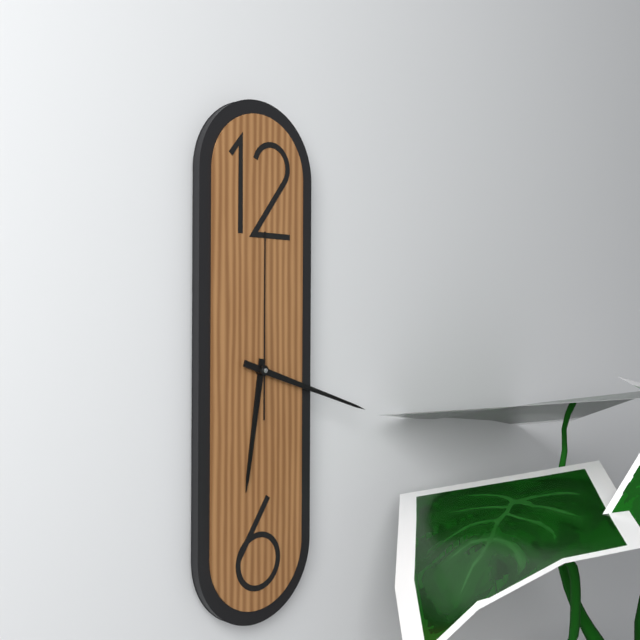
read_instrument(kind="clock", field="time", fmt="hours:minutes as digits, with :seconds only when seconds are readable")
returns 6:18:00
